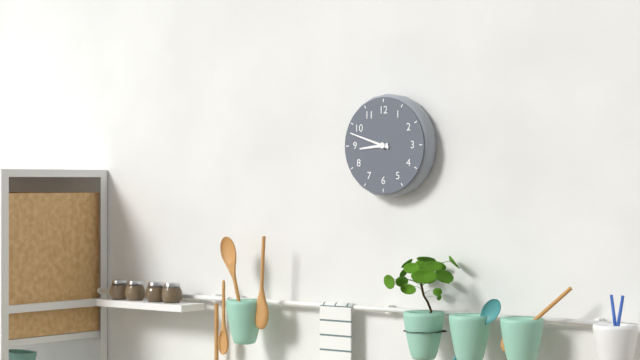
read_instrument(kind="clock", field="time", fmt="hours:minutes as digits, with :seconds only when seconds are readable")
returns 8:48
